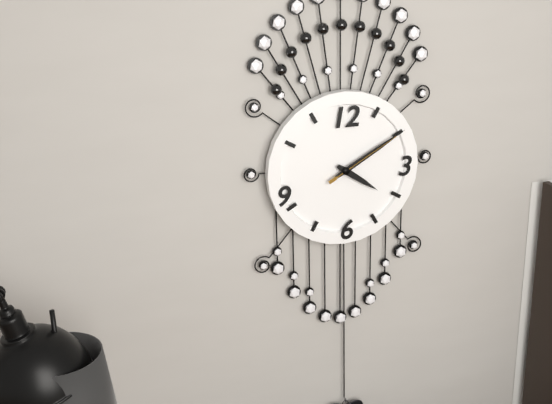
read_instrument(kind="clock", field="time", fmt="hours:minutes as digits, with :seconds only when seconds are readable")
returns 4:10:10
